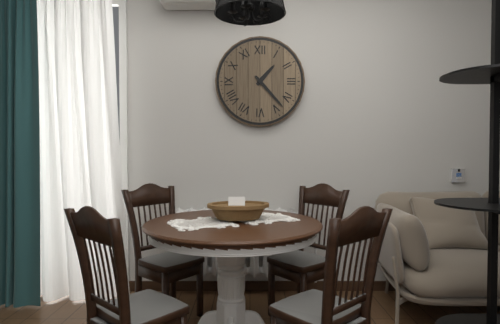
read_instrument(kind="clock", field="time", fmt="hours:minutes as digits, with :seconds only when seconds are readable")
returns 1:23
